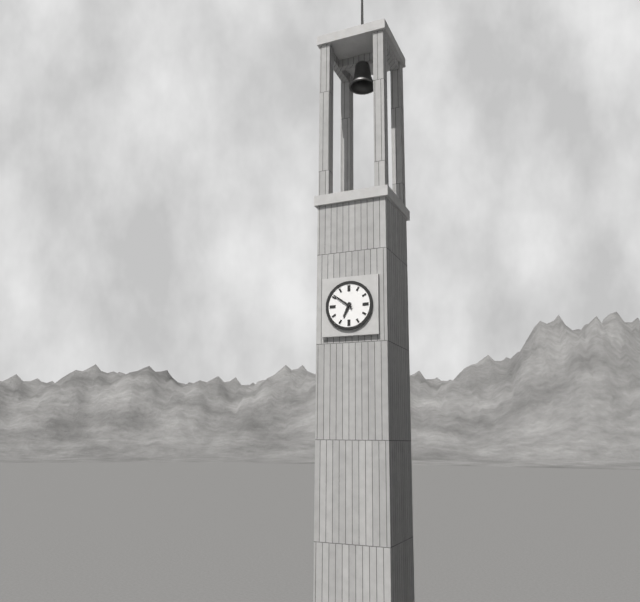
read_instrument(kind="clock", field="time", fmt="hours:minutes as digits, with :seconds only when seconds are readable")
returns 6:51
